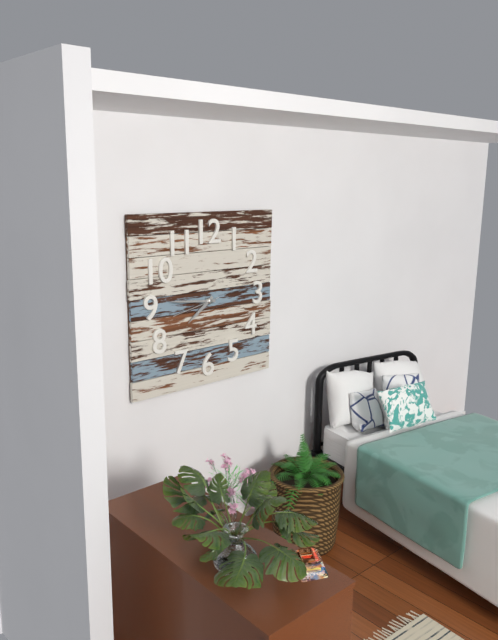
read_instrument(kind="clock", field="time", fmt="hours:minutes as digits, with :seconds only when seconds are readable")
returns 7:46
